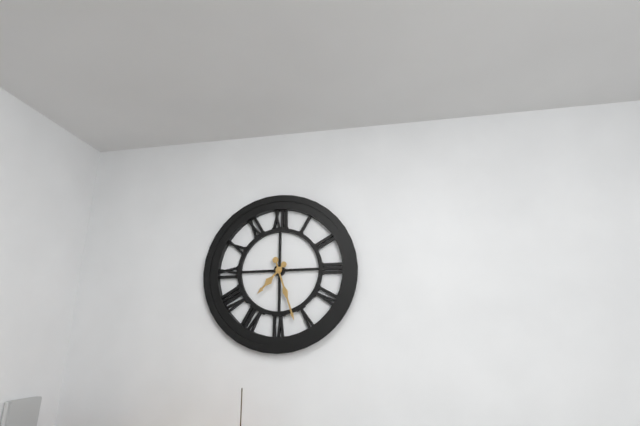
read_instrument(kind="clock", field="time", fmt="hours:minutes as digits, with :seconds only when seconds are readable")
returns 7:27
